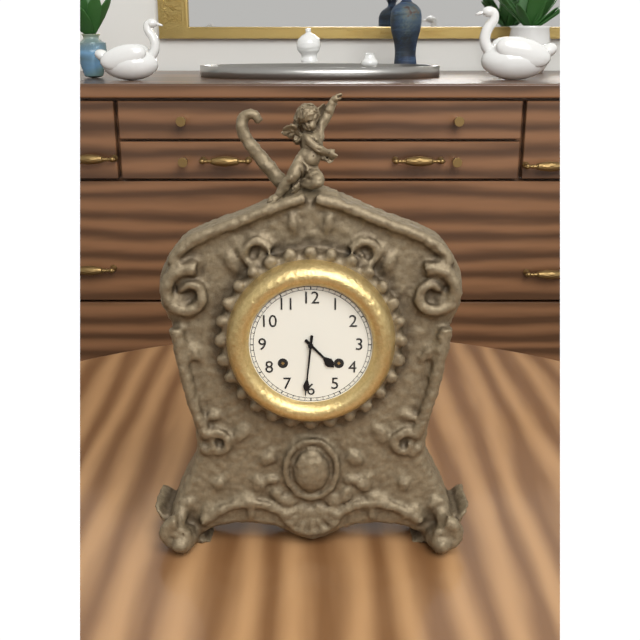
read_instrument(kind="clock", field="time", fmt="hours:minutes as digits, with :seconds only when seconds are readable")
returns 4:31
